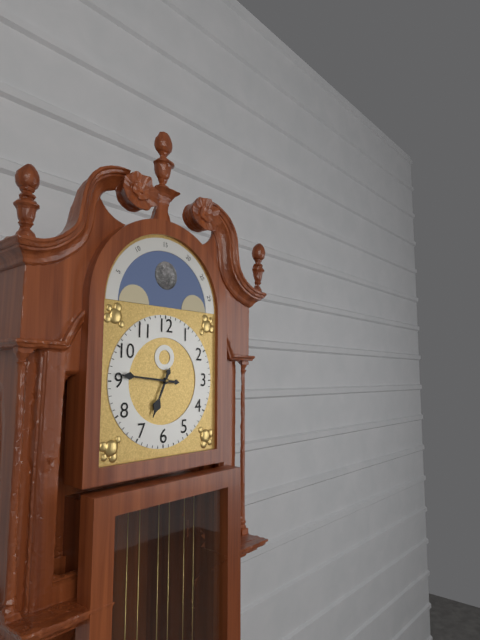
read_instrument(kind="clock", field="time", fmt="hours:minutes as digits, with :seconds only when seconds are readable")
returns 6:46
